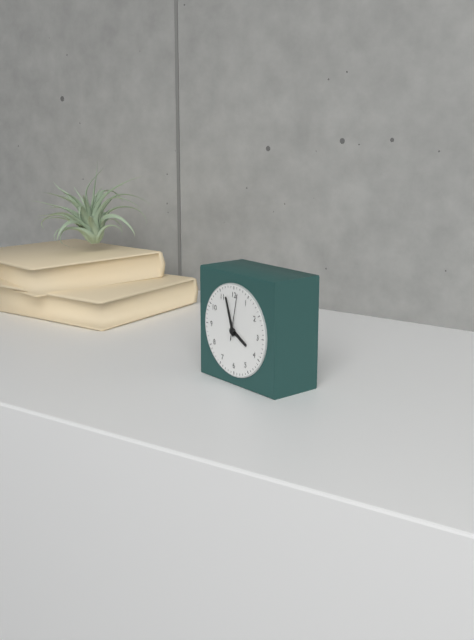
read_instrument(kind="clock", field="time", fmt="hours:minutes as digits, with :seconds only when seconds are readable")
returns 3:57
